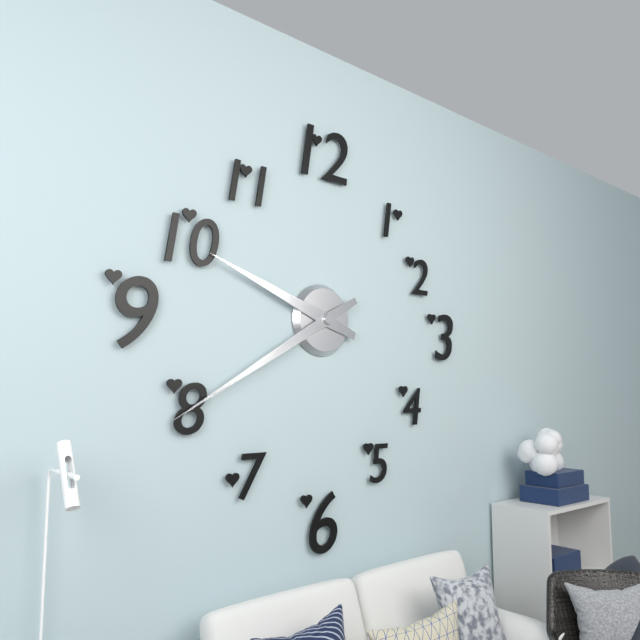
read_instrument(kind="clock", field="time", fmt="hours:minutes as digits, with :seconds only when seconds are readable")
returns 9:40
